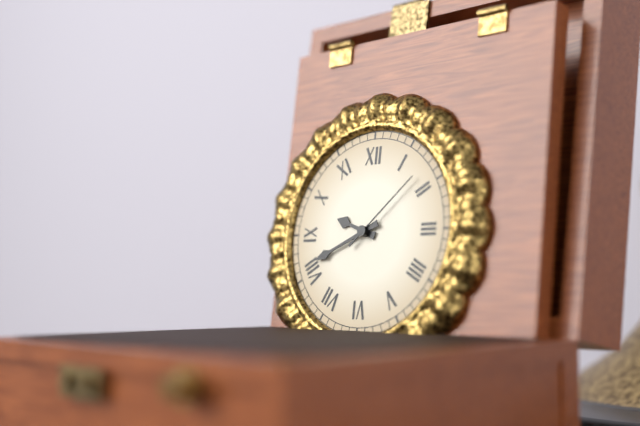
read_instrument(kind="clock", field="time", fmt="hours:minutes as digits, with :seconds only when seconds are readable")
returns 9:41:08
